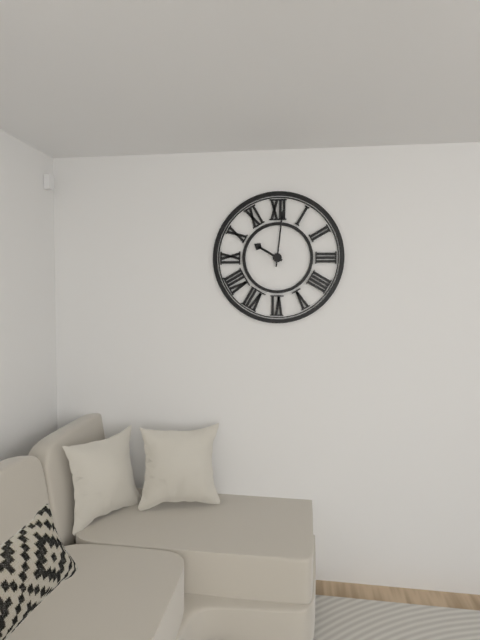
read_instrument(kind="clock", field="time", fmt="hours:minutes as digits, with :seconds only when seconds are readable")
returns 10:01
